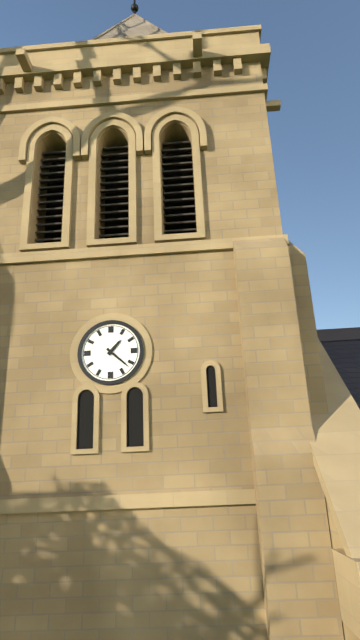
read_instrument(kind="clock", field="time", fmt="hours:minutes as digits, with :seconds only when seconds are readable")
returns 1:22
